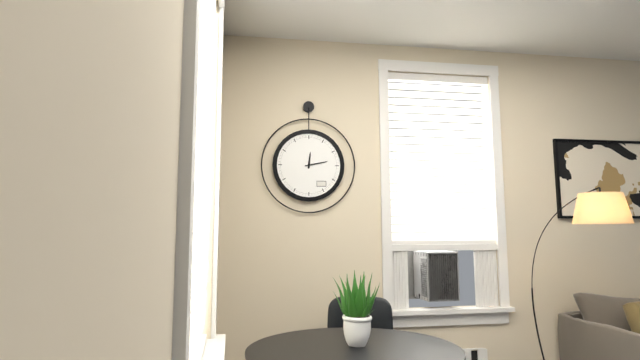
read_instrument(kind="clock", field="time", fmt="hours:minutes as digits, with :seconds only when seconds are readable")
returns 12:13
